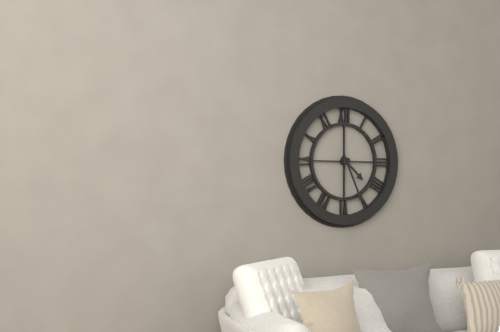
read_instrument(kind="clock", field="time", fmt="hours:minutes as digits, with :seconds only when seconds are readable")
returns 4:26
